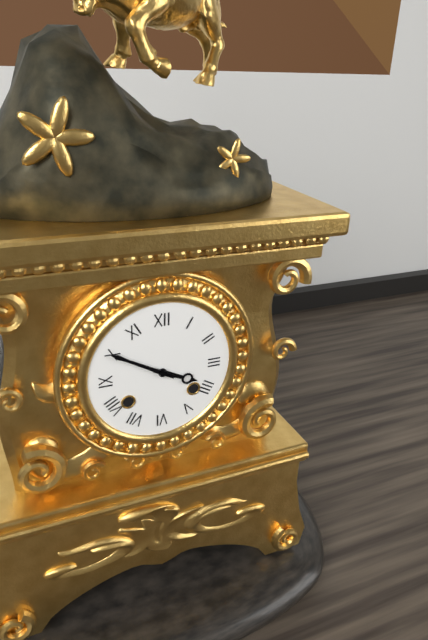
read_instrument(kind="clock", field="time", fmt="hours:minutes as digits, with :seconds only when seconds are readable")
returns 3:50
